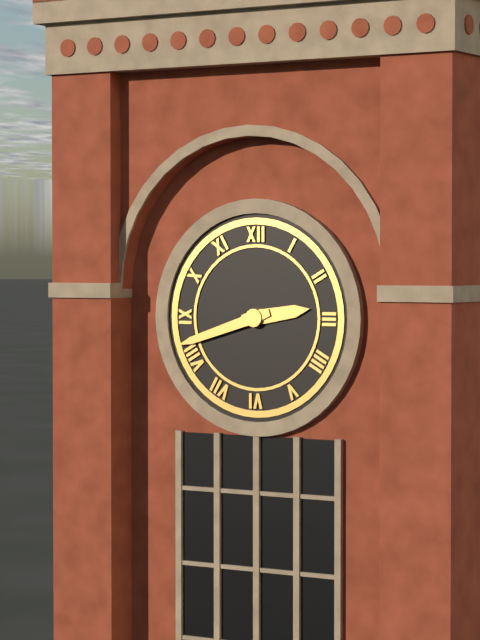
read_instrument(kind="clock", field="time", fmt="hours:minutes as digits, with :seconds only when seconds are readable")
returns 2:42
